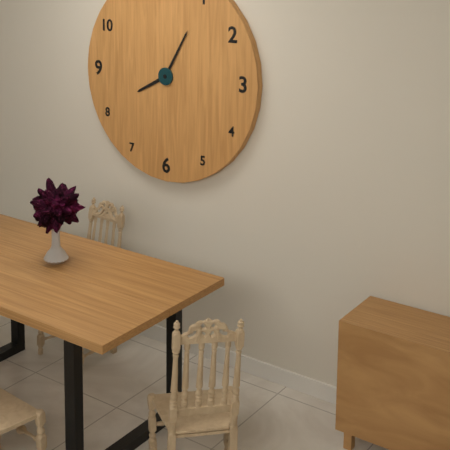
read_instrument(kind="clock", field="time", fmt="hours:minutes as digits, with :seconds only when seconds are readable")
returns 8:05
